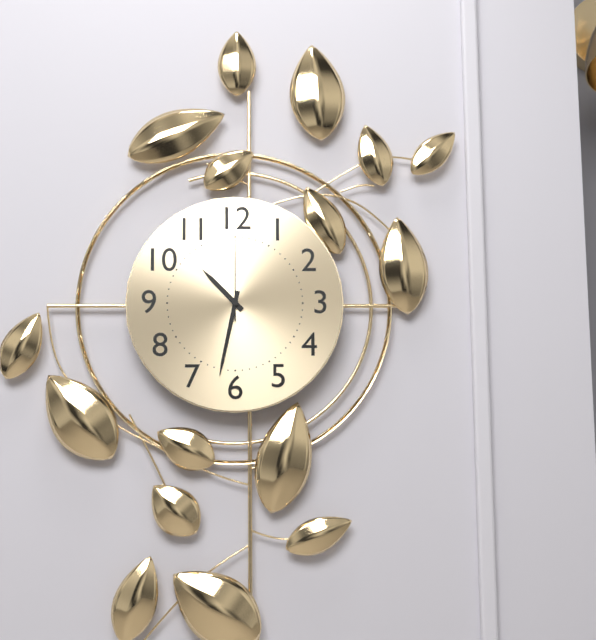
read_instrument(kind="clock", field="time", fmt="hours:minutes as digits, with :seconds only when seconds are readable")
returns 10:32:00
